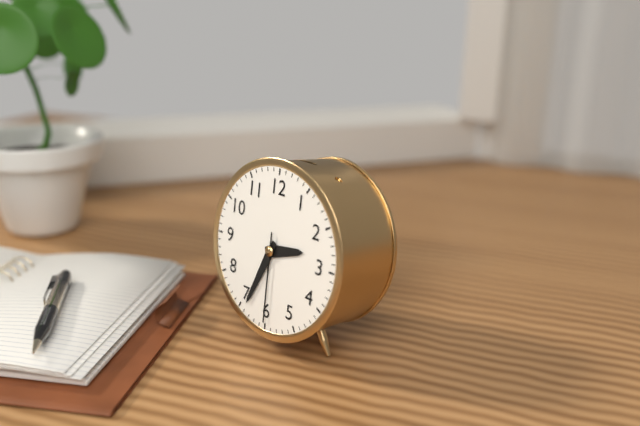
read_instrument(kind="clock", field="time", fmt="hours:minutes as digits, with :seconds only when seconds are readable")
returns 2:34:30
